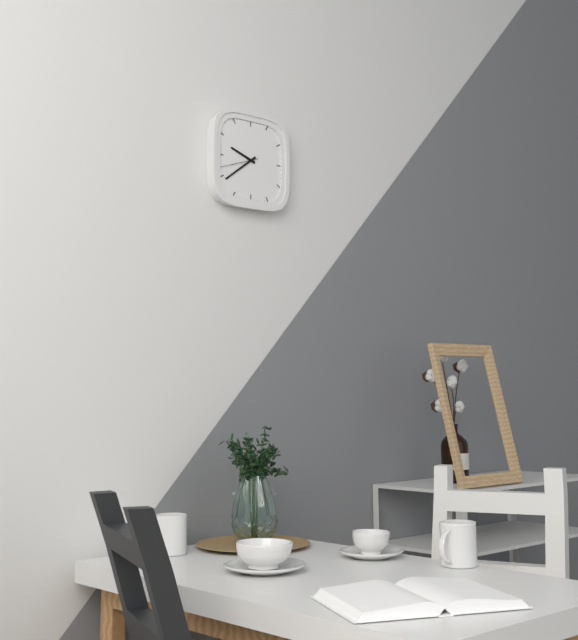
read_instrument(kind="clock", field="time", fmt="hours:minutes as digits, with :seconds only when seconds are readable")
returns 9:39
